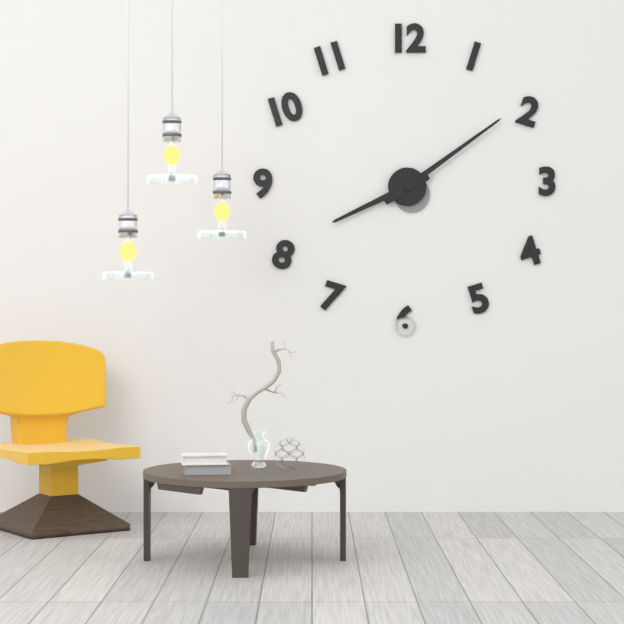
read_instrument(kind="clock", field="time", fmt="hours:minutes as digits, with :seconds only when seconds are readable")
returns 8:09
